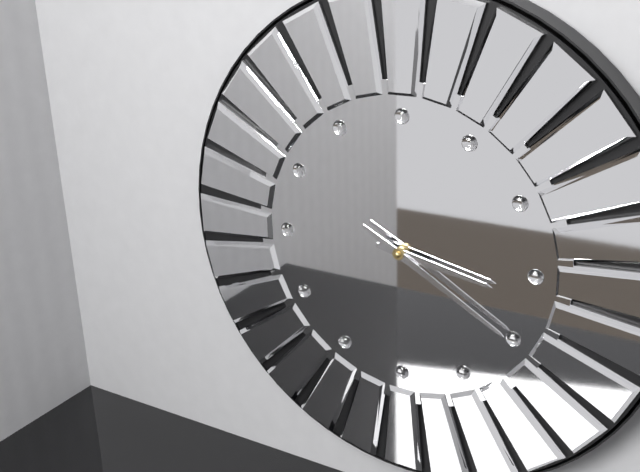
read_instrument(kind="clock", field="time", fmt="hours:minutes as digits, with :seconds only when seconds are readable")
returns 3:20
